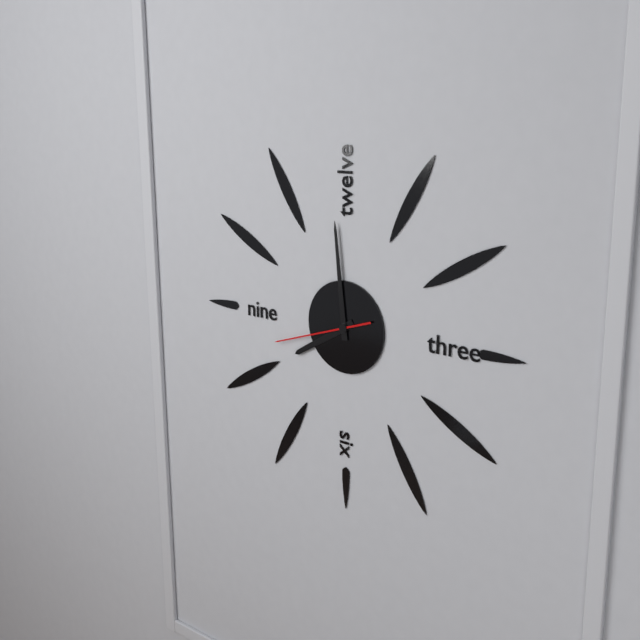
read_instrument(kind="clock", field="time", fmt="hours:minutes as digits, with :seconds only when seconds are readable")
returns 7:59:42
